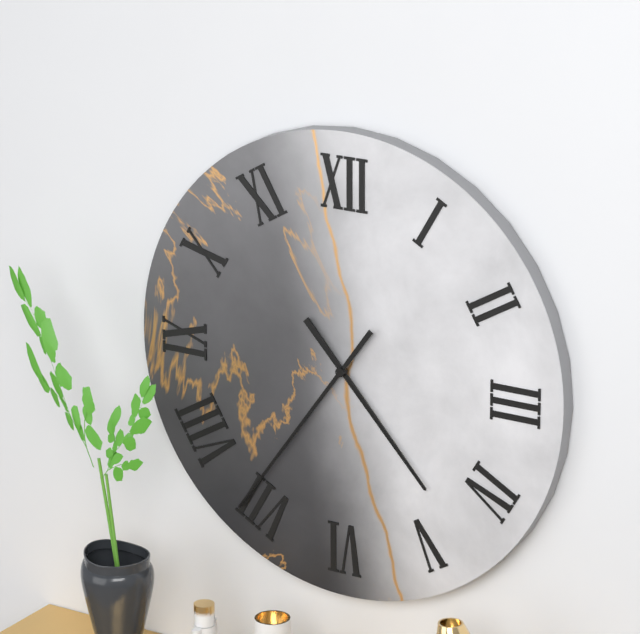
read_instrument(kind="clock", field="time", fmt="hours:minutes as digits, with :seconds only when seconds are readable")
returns 4:36
